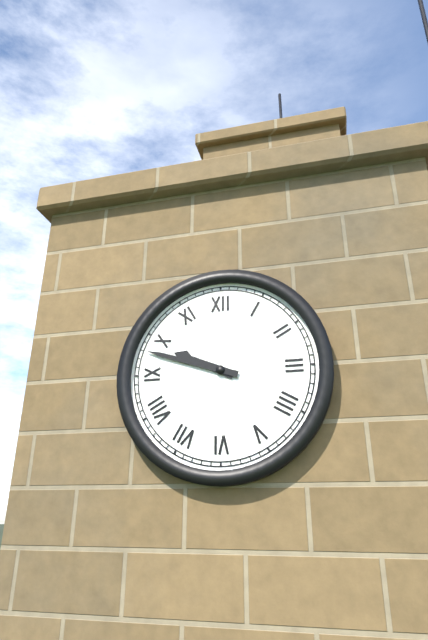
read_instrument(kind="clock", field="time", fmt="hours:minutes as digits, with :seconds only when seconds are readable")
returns 9:48
